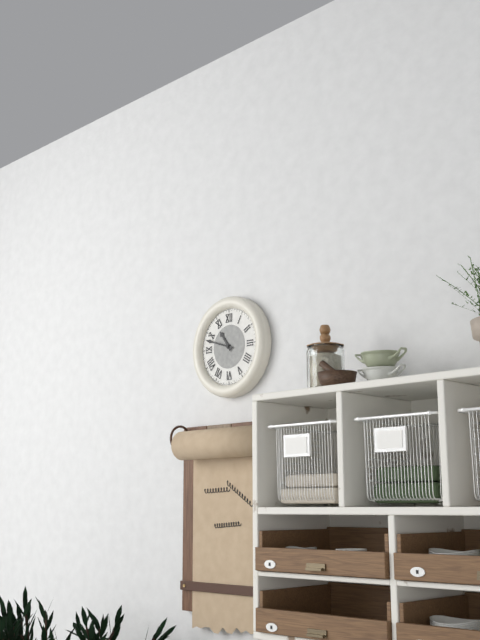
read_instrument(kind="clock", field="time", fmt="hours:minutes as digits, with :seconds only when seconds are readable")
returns 10:48
